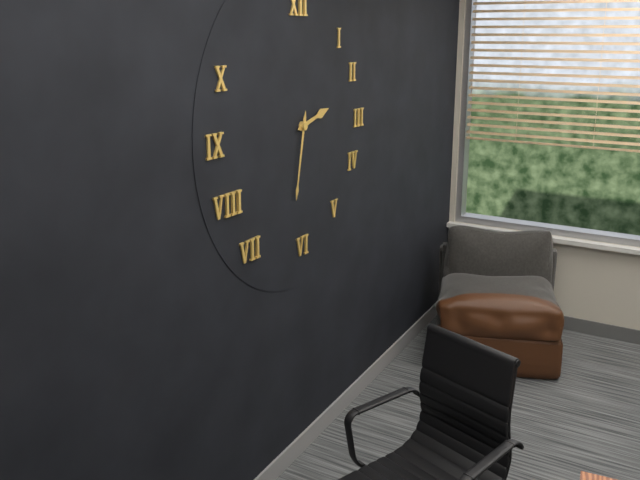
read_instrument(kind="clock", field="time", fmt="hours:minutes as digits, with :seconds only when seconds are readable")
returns 2:32
